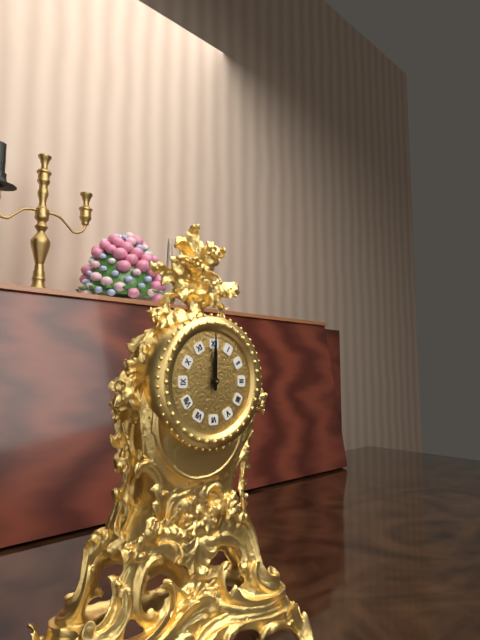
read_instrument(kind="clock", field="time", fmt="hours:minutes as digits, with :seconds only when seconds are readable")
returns 12:00
